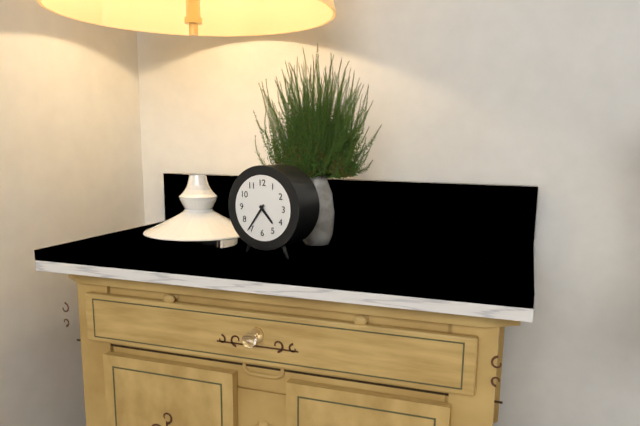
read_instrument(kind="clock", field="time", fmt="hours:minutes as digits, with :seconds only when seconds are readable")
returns 4:36
